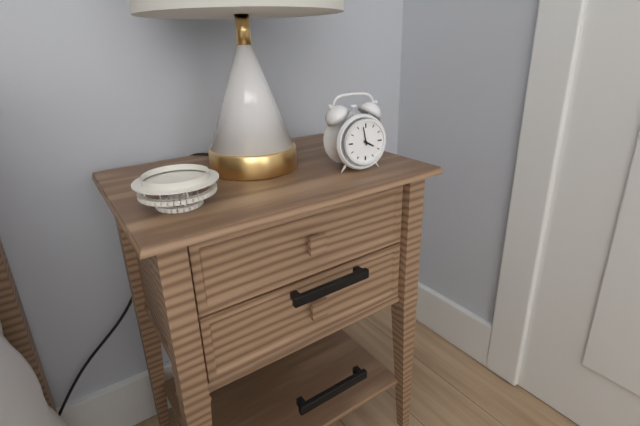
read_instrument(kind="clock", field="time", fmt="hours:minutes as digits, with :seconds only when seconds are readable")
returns 3:58
